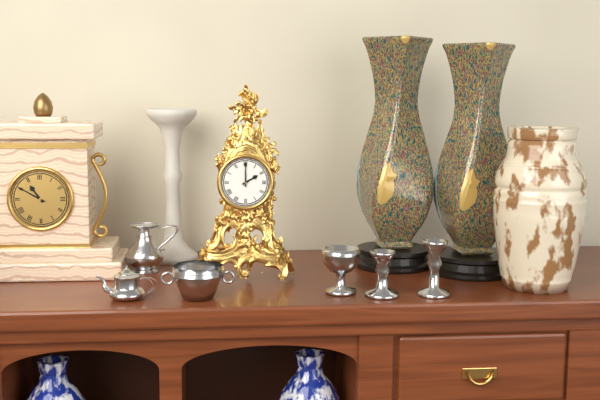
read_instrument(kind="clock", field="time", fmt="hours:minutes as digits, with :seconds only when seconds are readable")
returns 2:00
